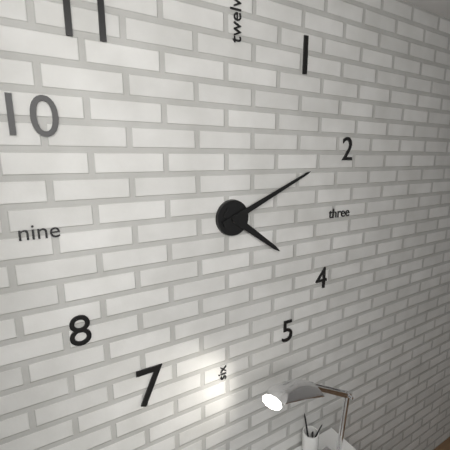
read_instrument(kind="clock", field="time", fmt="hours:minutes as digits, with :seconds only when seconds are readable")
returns 4:11
